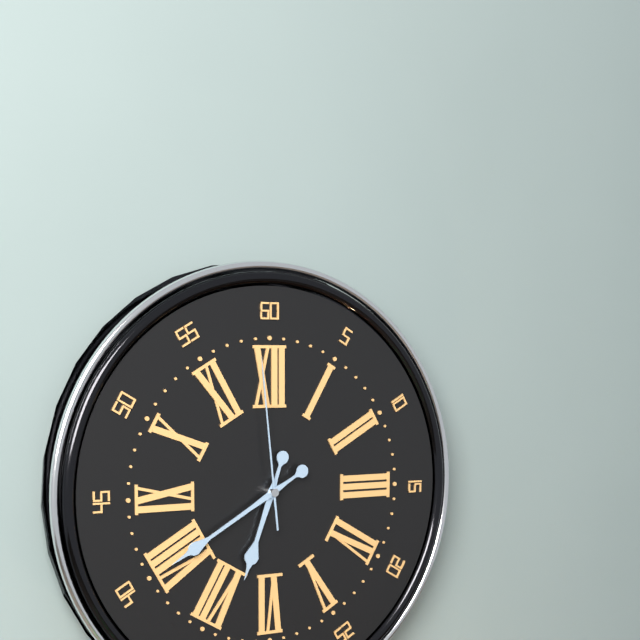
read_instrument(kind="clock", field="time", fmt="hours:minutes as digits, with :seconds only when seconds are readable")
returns 6:40:59
